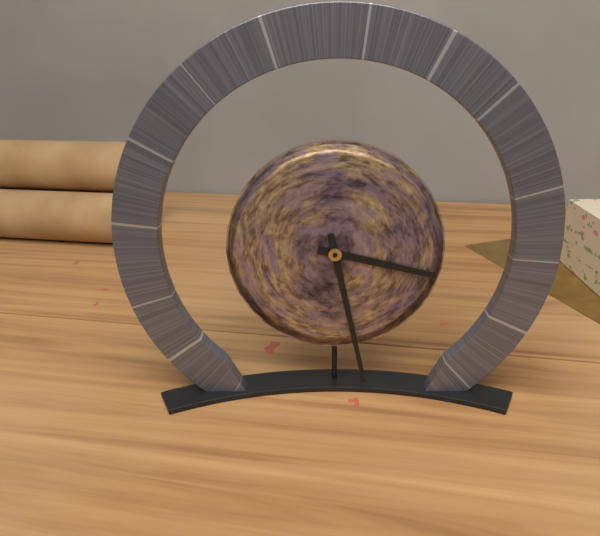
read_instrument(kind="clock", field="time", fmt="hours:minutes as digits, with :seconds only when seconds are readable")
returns 3:28
